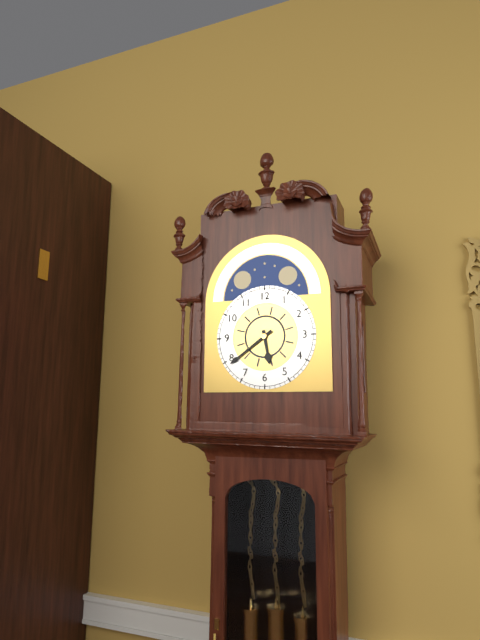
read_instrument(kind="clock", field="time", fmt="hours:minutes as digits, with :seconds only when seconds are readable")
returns 5:39
